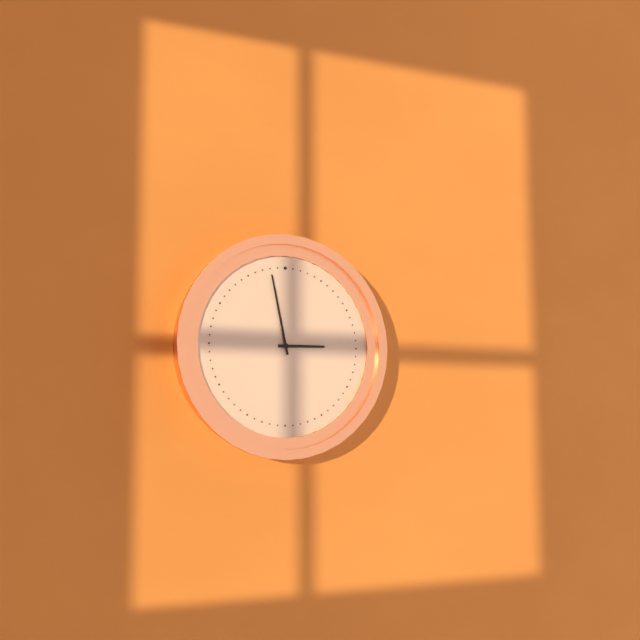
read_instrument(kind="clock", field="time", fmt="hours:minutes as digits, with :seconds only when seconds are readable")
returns 2:58
